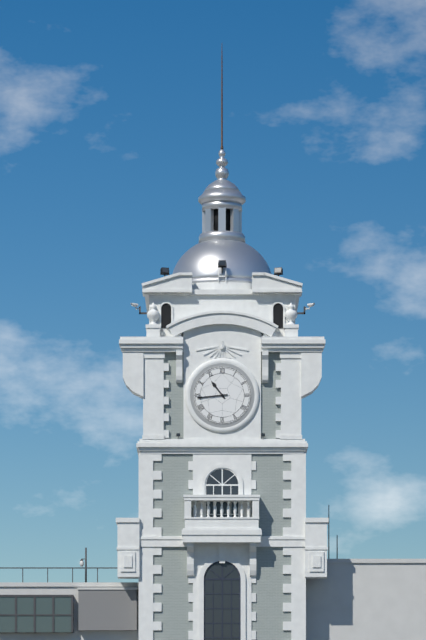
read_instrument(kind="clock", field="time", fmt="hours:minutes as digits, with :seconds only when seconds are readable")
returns 10:44
